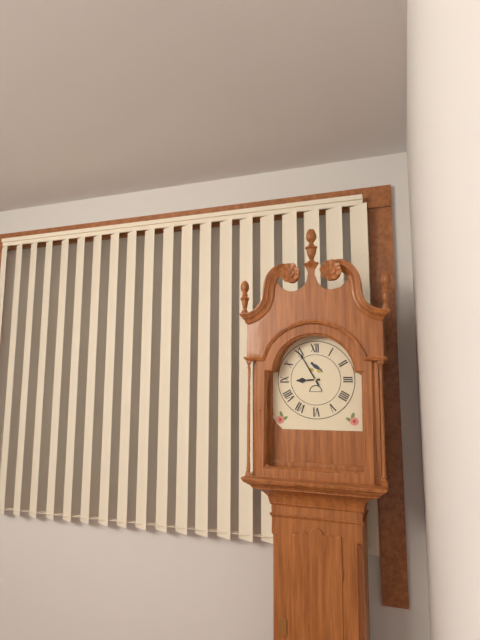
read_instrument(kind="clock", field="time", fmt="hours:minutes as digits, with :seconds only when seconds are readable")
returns 8:55
